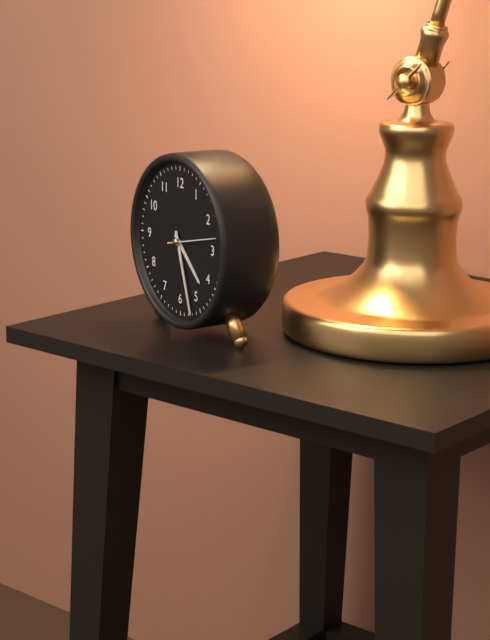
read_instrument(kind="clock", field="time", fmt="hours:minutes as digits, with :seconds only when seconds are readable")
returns 4:27
